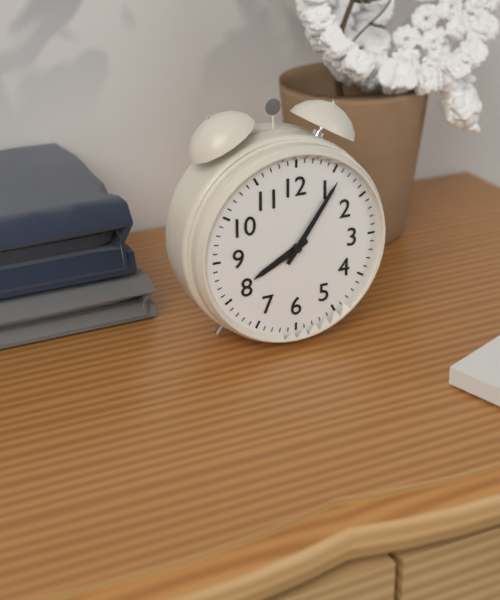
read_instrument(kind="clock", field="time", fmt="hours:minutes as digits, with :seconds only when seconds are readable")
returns 8:06
